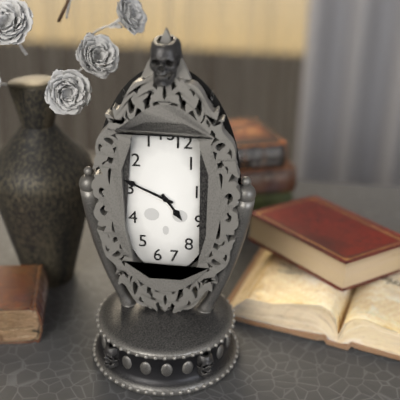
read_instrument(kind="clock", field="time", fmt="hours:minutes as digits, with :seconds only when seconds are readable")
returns 4:49
